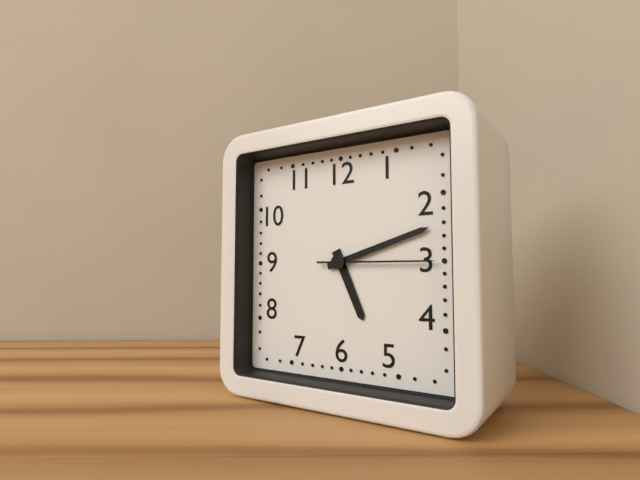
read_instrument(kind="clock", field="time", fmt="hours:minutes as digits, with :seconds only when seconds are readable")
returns 5:12:15
